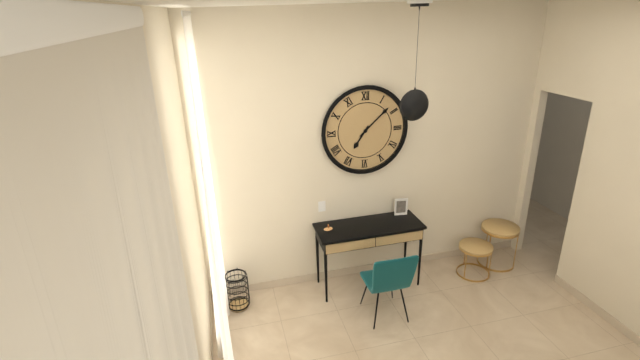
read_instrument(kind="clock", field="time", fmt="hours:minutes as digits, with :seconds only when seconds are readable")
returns 7:08
